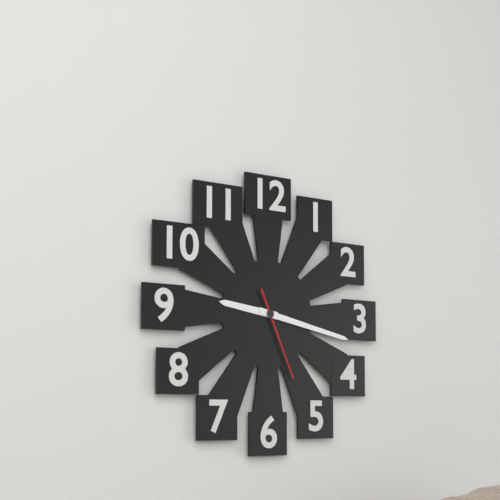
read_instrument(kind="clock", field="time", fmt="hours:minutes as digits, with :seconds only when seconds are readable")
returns 9:17:26
